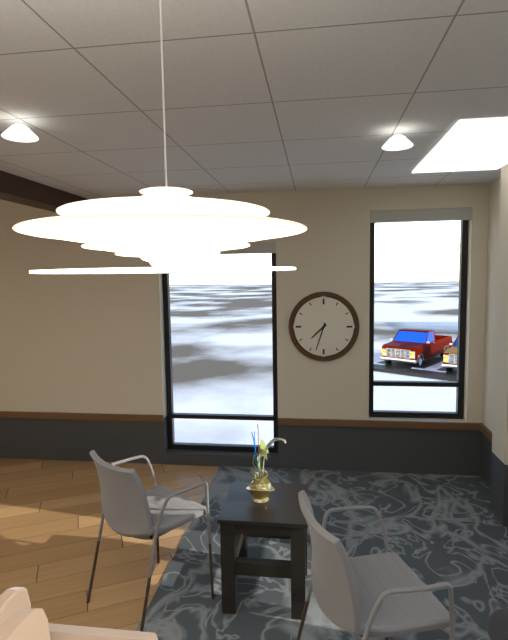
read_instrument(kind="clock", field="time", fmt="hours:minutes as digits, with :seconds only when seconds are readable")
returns 7:33
